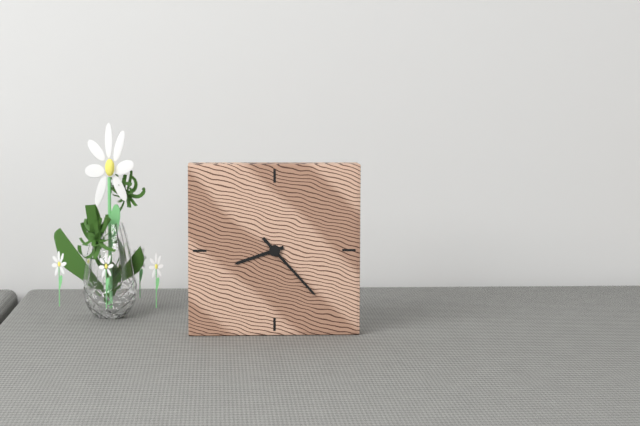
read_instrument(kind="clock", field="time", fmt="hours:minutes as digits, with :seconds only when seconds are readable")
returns 8:23
